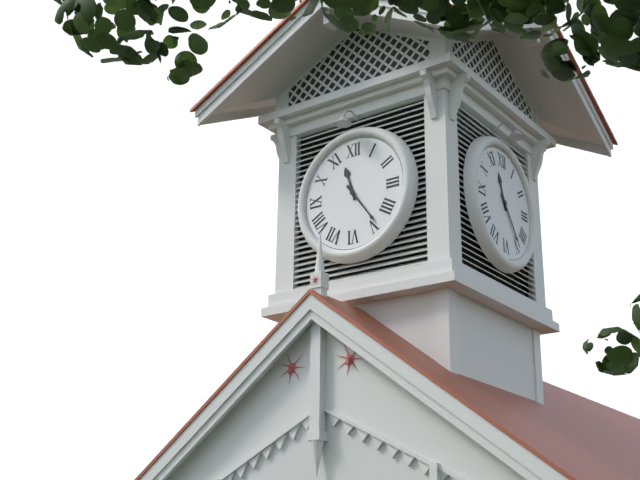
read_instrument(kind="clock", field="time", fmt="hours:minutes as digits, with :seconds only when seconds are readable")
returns 11:24
